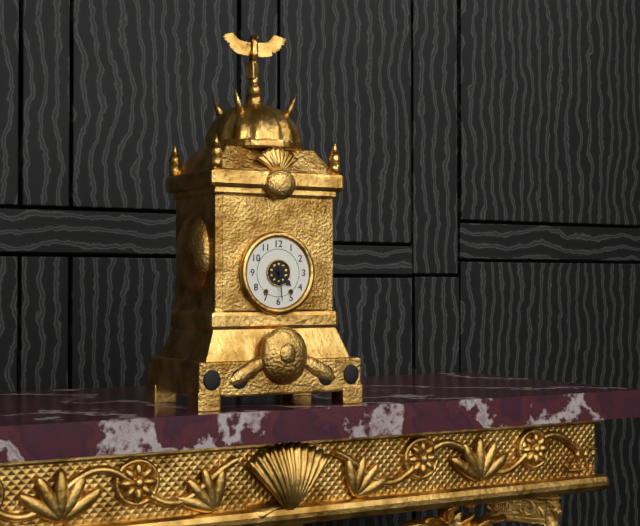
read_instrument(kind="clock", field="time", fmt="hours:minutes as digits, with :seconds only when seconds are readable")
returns 4:29
